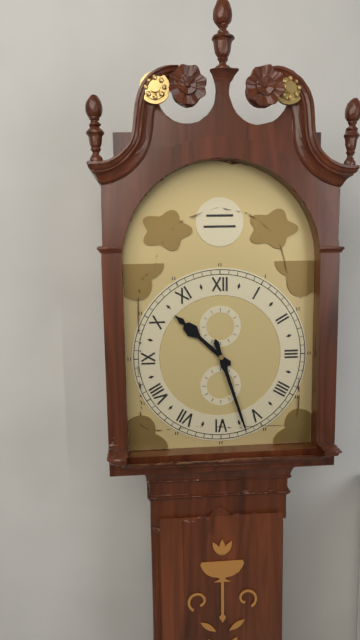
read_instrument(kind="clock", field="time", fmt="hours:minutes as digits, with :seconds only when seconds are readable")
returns 10:27
